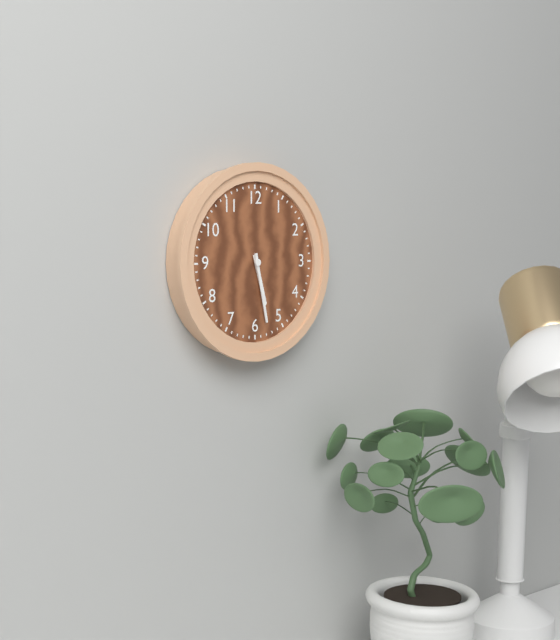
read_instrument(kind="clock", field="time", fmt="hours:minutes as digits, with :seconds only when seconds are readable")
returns 5:28
